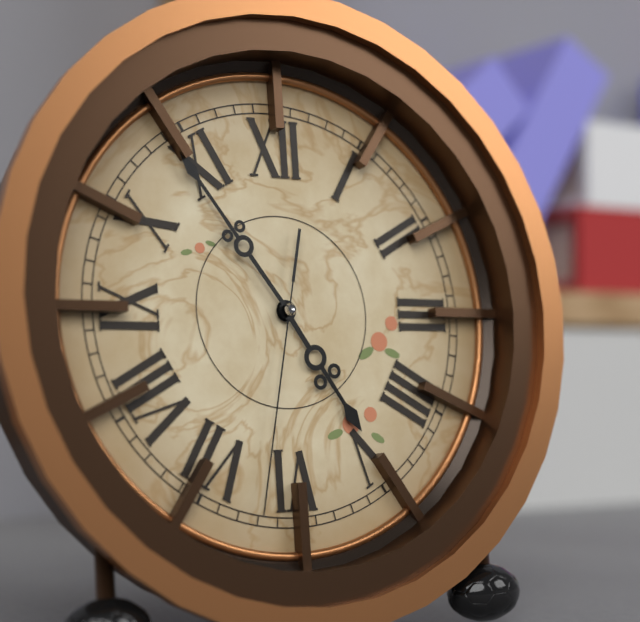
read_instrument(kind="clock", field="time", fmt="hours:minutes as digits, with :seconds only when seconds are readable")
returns 4:54:32
